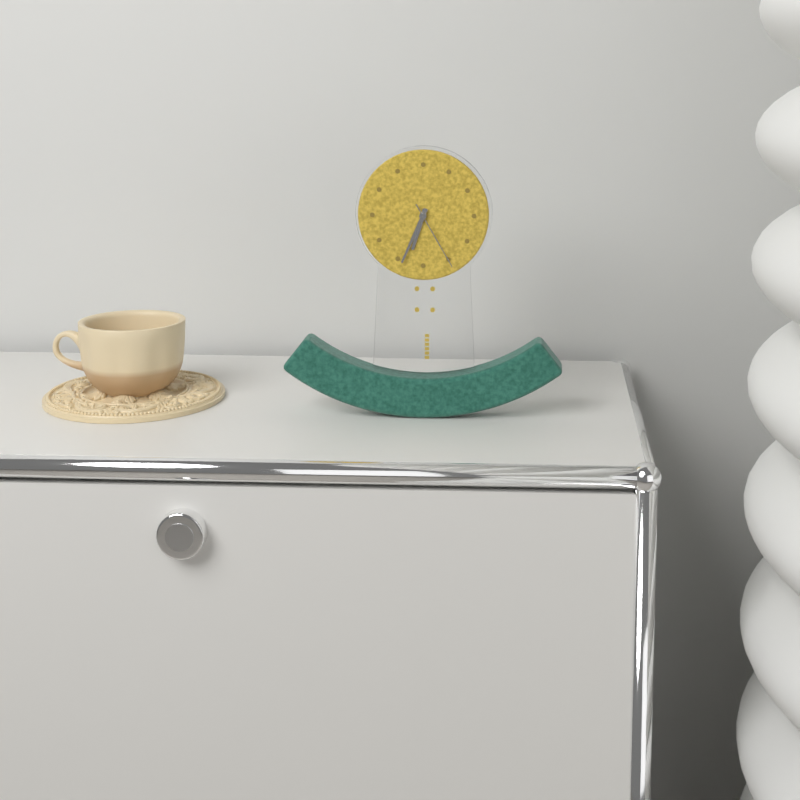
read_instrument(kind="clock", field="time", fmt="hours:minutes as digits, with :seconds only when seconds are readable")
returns 6:34:25
